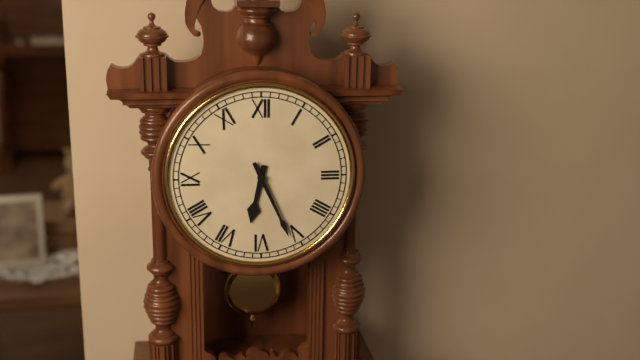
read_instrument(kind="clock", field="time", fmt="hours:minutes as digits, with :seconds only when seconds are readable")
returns 6:26
